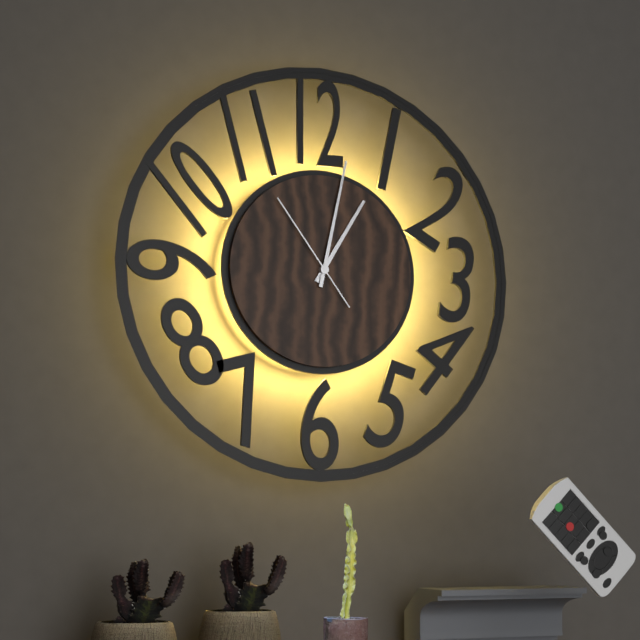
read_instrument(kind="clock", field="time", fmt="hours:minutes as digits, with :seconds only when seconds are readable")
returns 1:02:54
